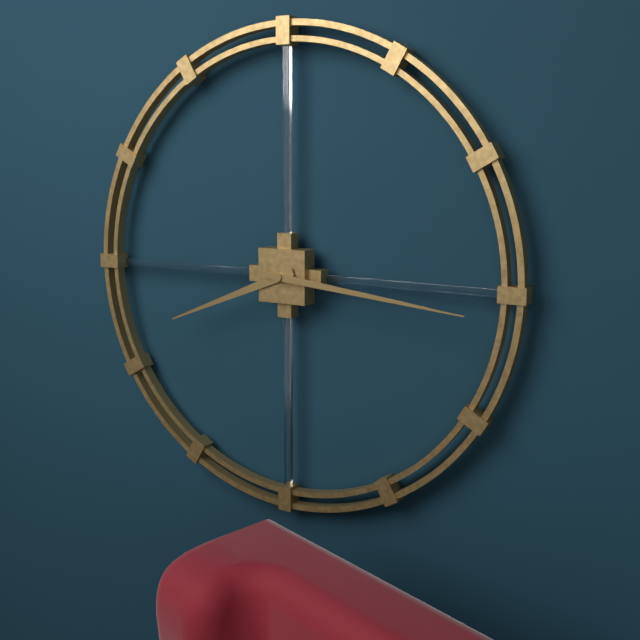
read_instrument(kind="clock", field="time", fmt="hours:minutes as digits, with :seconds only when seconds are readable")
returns 8:16
